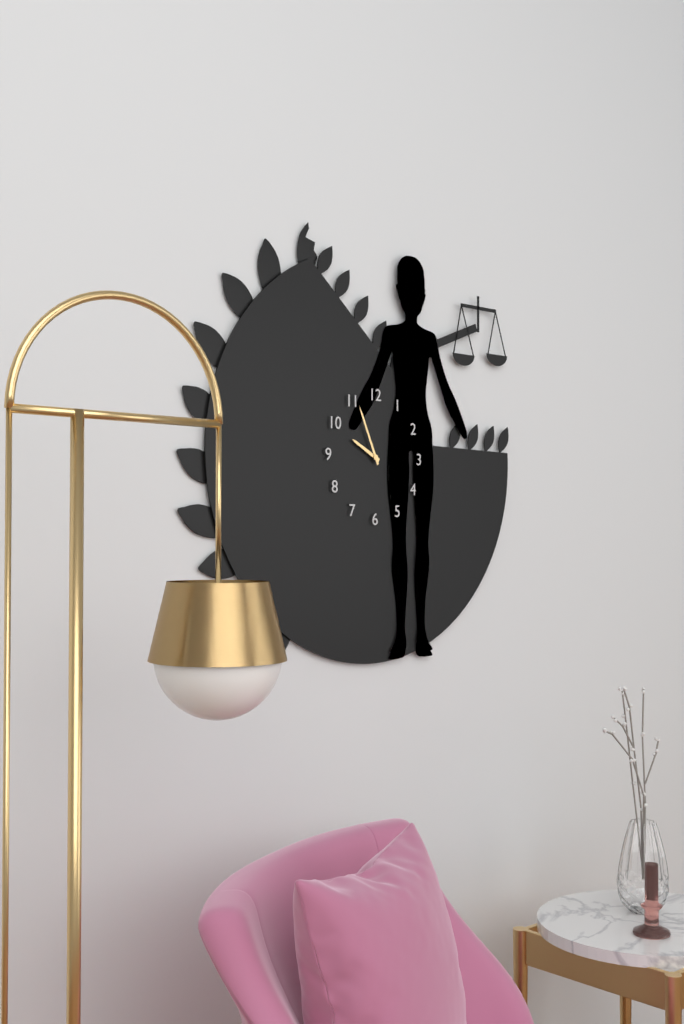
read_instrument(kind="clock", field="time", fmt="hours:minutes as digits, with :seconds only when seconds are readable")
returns 9:56
